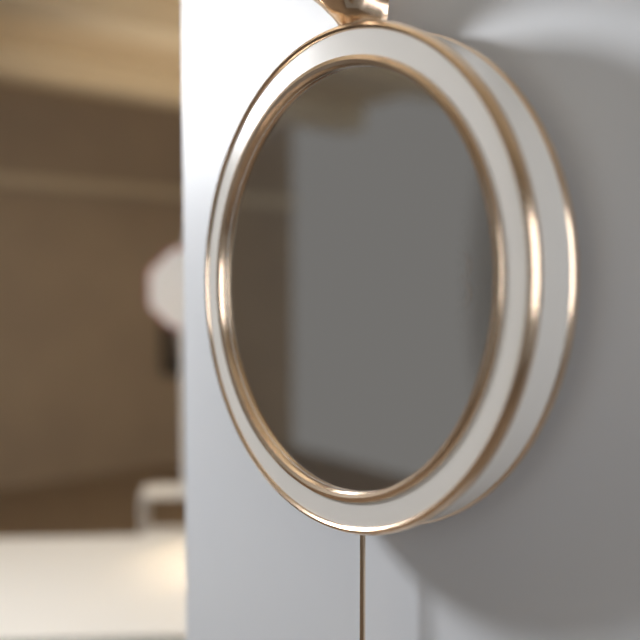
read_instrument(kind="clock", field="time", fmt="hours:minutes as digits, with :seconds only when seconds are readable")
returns 7:21
